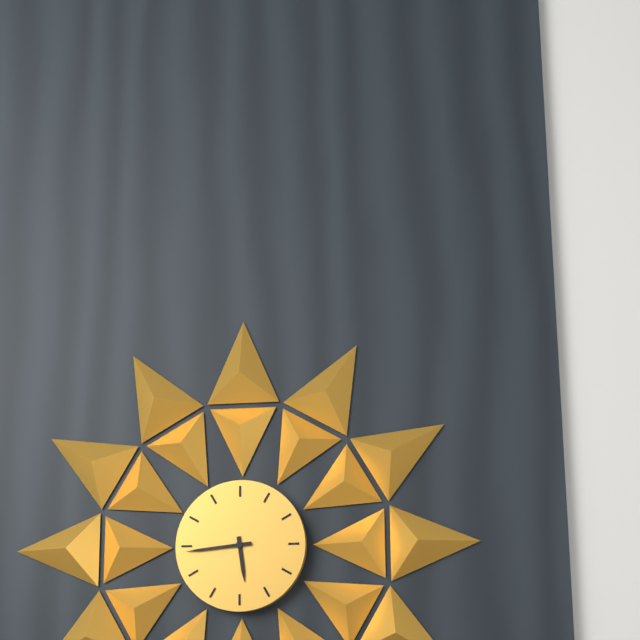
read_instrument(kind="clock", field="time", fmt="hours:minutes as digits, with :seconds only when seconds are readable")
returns 5:44
